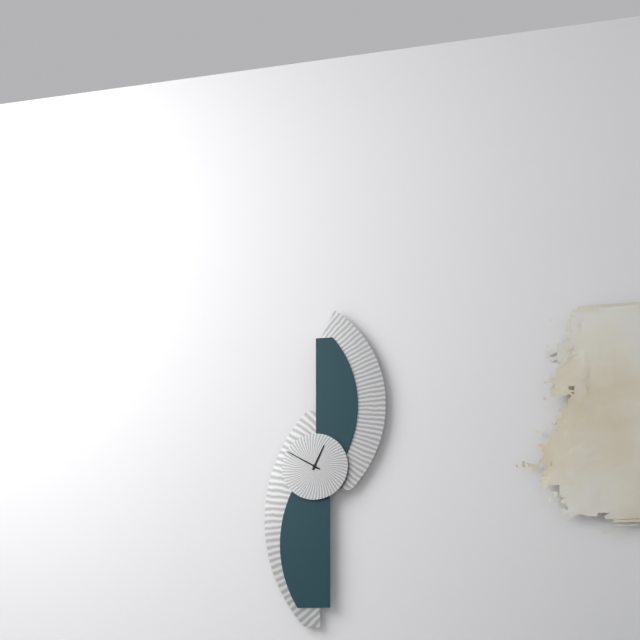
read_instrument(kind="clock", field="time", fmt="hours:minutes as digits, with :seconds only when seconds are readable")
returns 12:50
